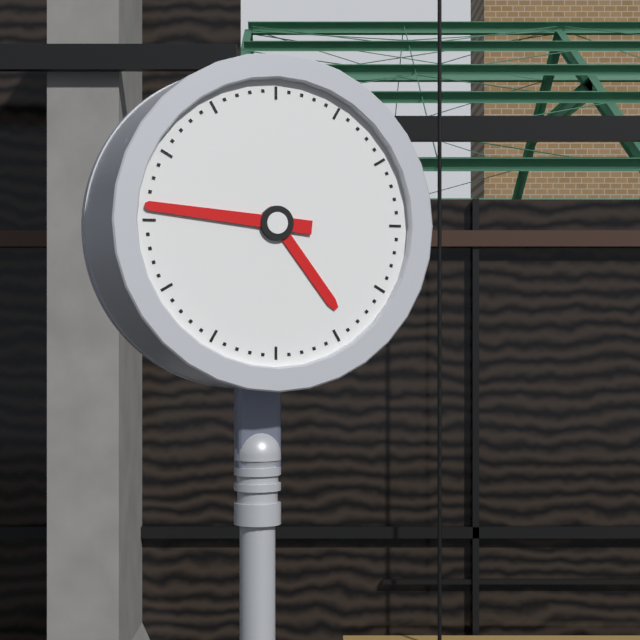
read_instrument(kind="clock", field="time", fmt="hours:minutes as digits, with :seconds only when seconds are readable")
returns 4:46
